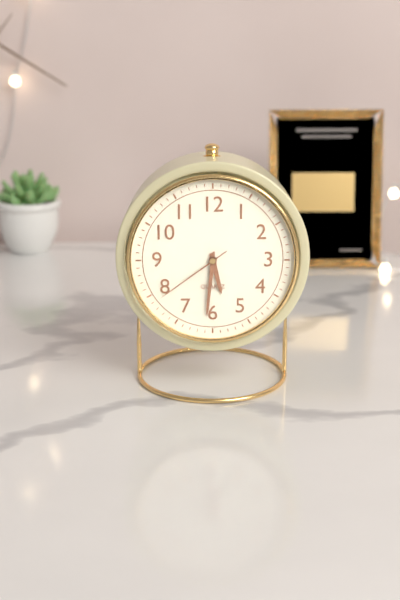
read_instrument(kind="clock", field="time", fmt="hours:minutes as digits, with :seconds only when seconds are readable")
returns 5:31:39
